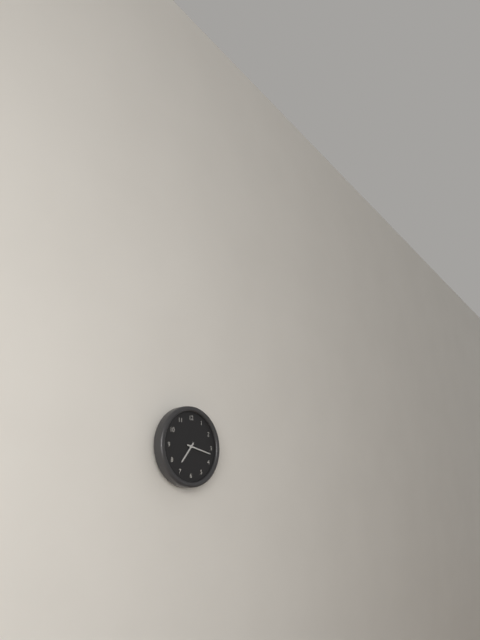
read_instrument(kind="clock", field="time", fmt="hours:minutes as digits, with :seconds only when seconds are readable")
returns 7:17
